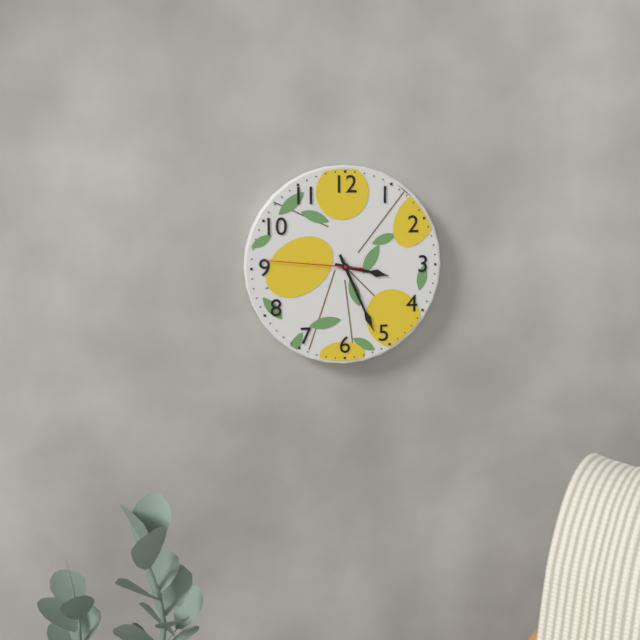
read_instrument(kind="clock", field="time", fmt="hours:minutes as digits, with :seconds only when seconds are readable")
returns 3:26:46
